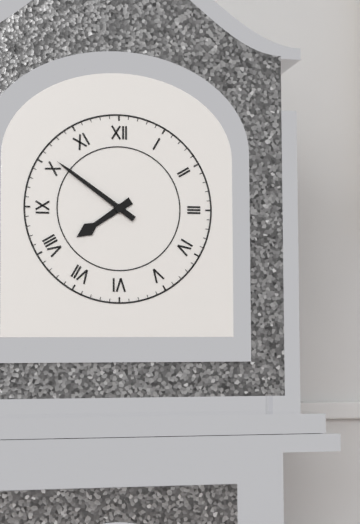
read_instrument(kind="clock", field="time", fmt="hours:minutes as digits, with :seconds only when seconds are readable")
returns 7:51
